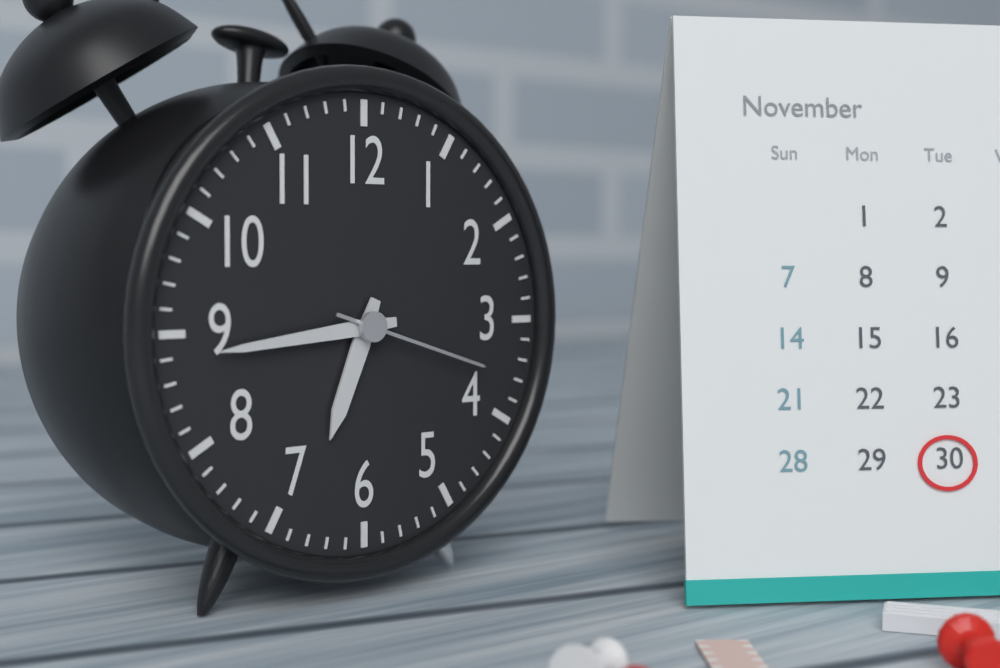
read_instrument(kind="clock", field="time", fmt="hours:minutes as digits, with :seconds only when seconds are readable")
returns 6:44:18
